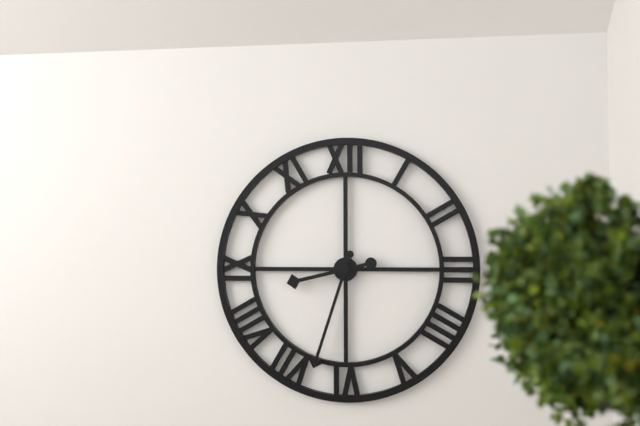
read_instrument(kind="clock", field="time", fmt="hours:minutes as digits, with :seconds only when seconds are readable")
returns 8:33
